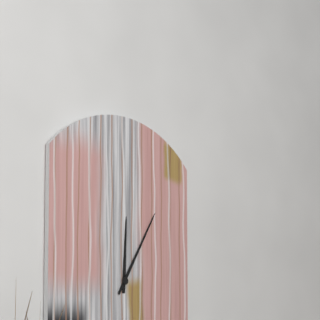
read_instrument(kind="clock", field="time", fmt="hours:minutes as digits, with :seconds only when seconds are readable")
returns 12:05
